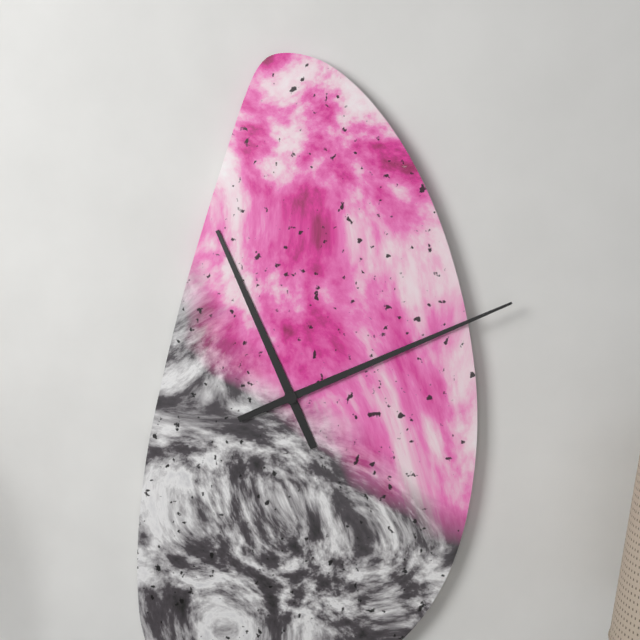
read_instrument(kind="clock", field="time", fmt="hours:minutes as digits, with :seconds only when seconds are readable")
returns 11:11
